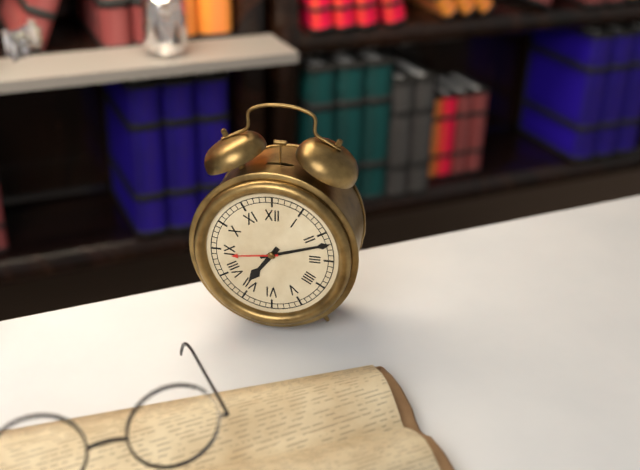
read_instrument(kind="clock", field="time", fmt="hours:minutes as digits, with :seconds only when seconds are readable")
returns 7:12
